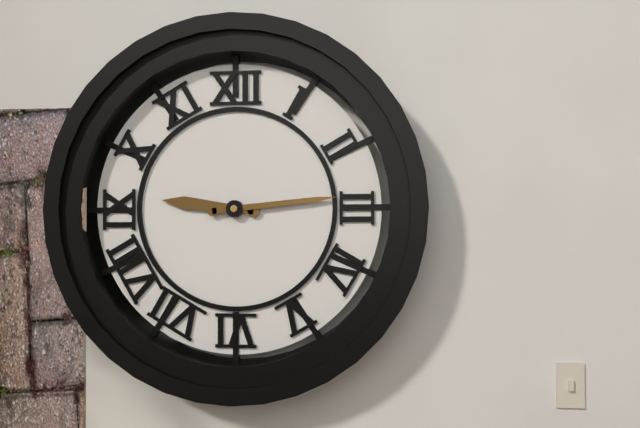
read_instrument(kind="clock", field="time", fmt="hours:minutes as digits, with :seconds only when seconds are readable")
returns 9:14
